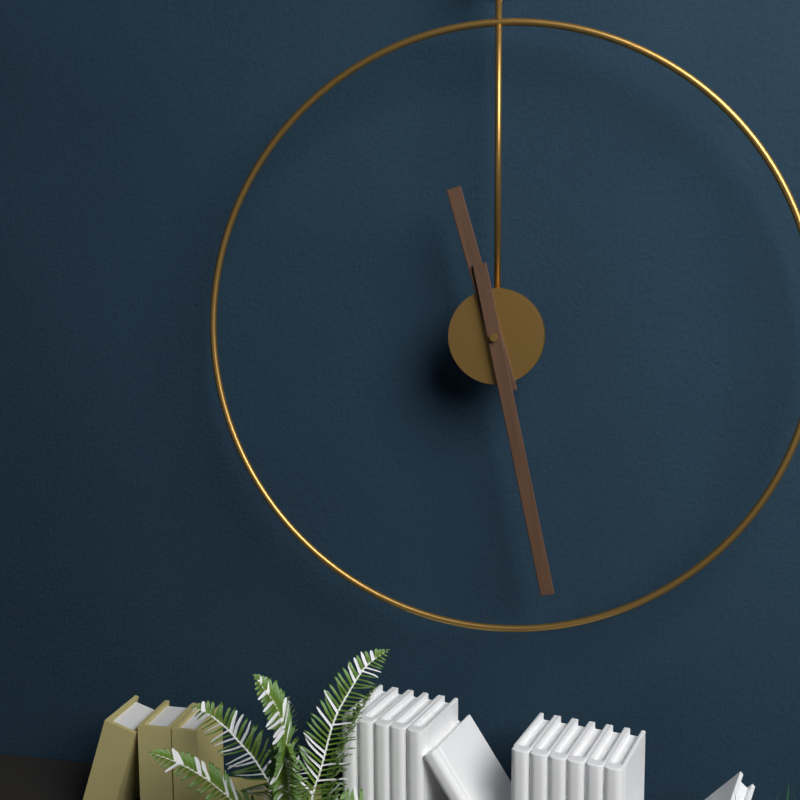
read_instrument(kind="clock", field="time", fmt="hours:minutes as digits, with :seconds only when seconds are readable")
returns 11:28
